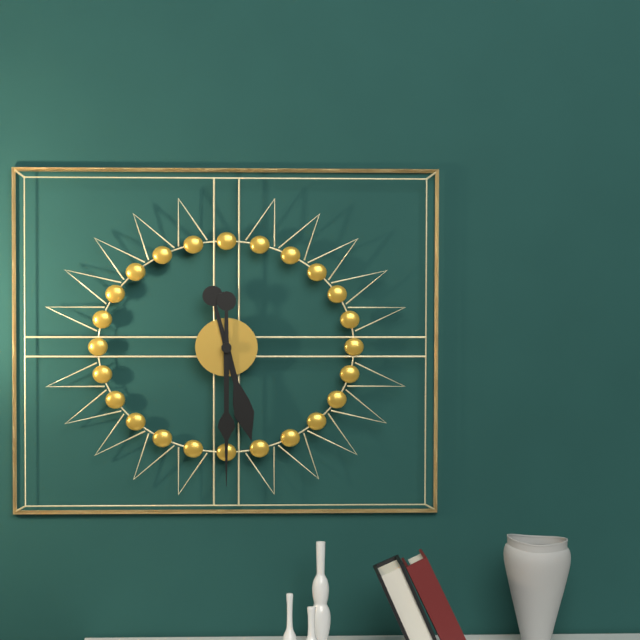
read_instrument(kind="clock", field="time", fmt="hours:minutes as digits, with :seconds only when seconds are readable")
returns 5:30
